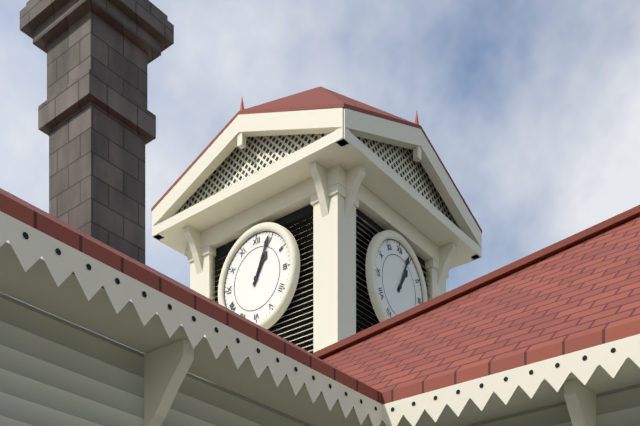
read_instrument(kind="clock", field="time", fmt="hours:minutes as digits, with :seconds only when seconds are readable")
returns 1:04
